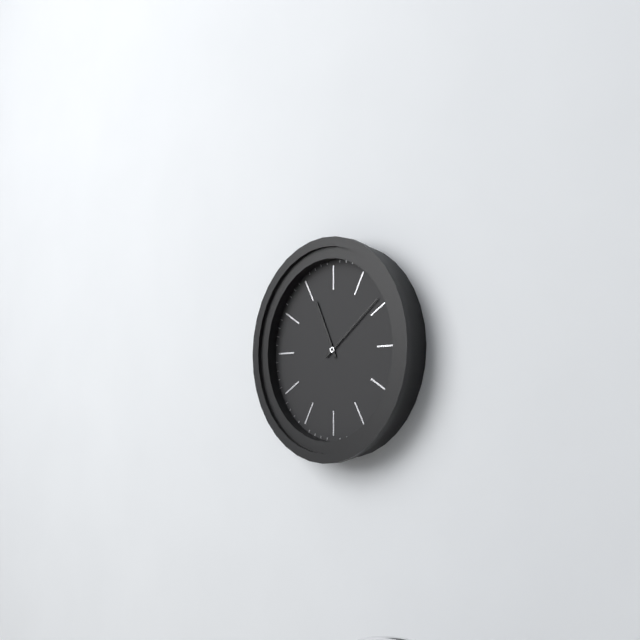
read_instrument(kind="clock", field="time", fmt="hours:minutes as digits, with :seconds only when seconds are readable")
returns 11:09
